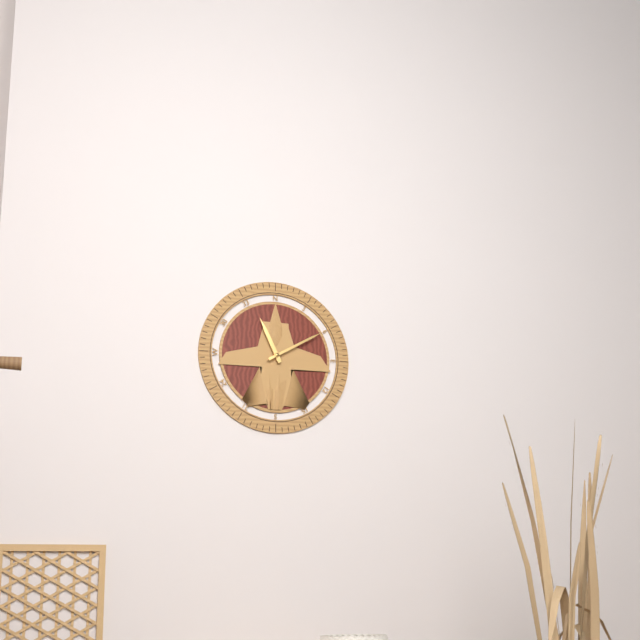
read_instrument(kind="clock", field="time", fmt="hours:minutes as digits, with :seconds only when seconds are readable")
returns 11:10
